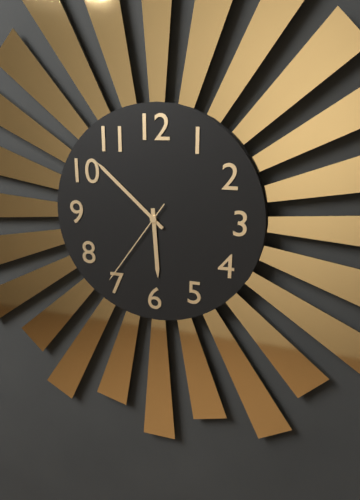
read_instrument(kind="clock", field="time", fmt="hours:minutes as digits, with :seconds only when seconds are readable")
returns 5:52:36
